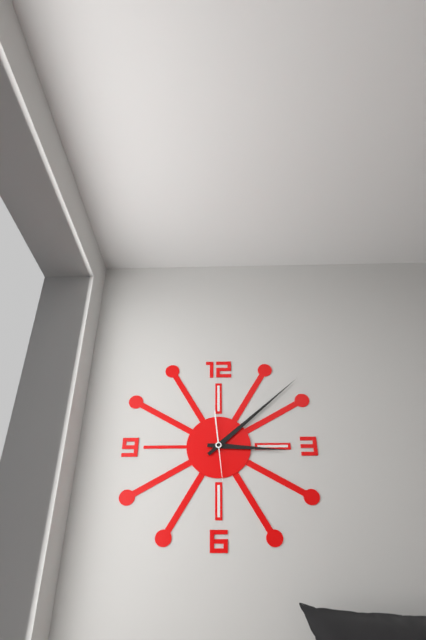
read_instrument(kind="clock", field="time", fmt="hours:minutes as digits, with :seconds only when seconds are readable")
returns 3:08:29
